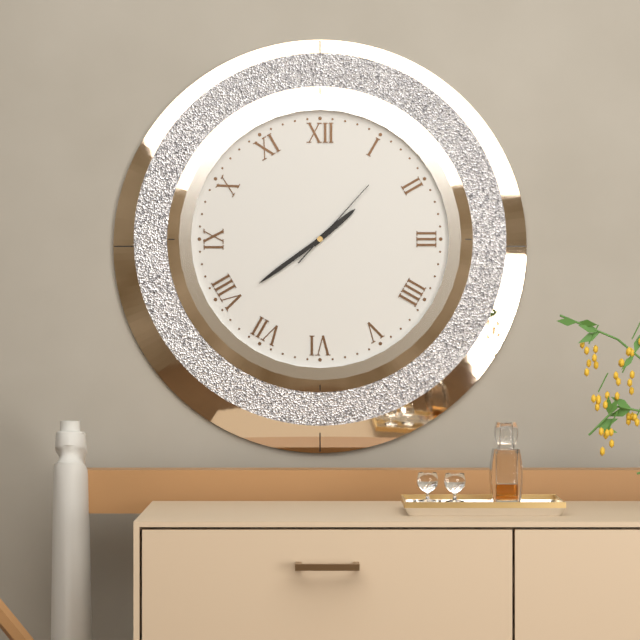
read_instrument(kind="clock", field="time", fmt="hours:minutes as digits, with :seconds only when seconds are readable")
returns 1:39:07
